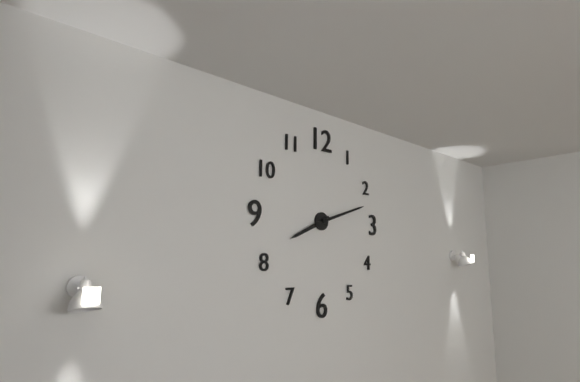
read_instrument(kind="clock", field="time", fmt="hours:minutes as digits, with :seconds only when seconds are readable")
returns 8:12
